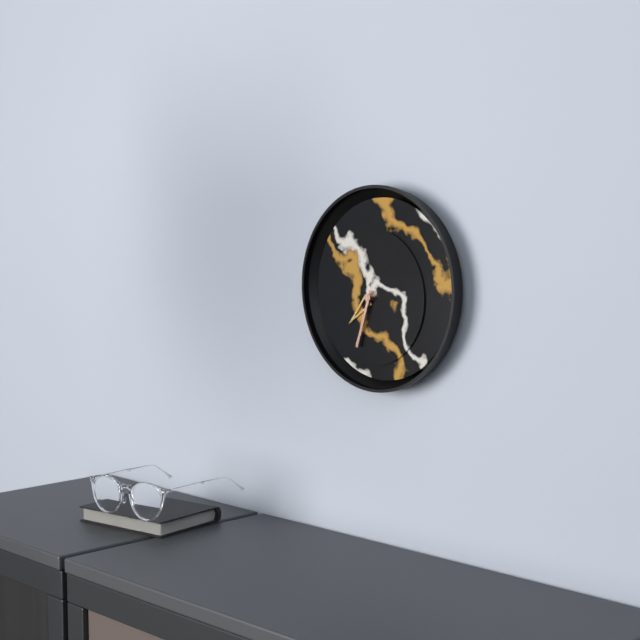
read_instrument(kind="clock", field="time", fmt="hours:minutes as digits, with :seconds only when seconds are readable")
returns 7:33
